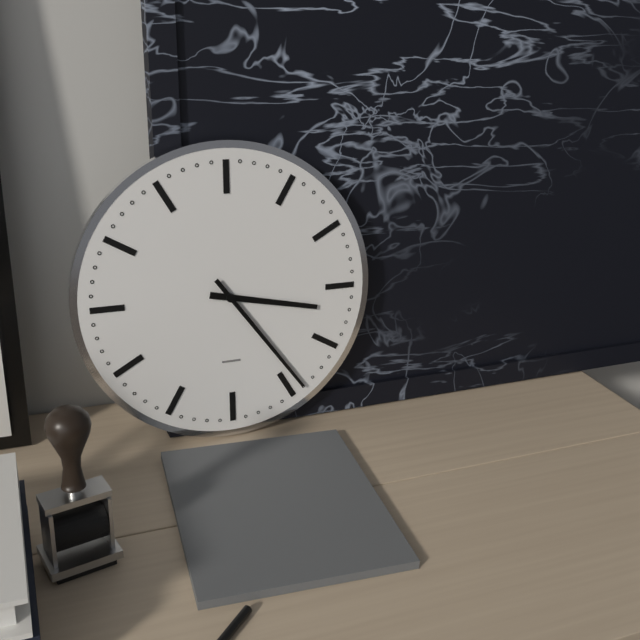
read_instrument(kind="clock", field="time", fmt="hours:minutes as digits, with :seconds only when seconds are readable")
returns 3:24
